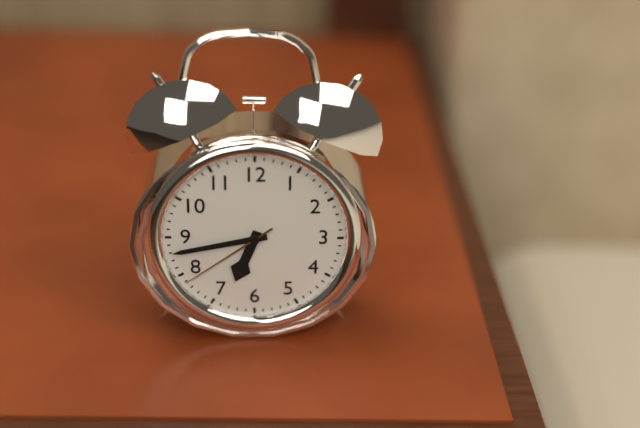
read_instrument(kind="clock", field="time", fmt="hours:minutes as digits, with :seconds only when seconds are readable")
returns 6:43:39
